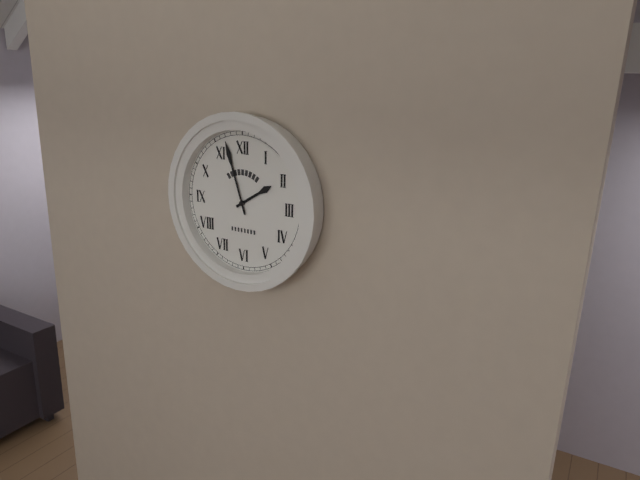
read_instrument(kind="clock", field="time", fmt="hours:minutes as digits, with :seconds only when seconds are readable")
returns 1:57
